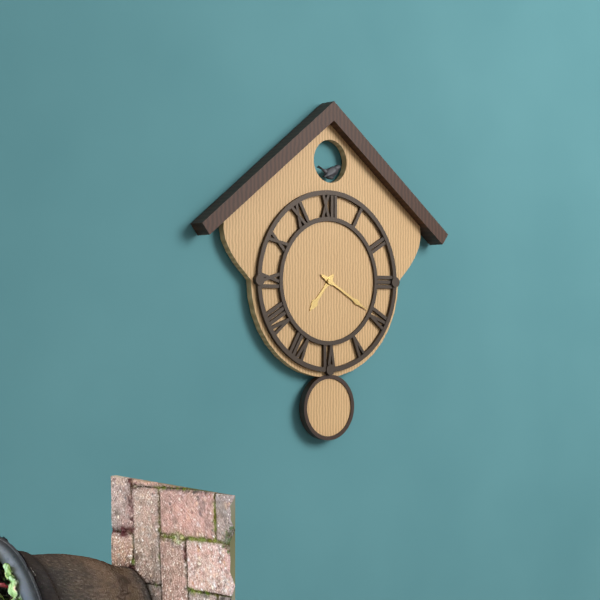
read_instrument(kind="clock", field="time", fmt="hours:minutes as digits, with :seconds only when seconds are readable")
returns 7:20
